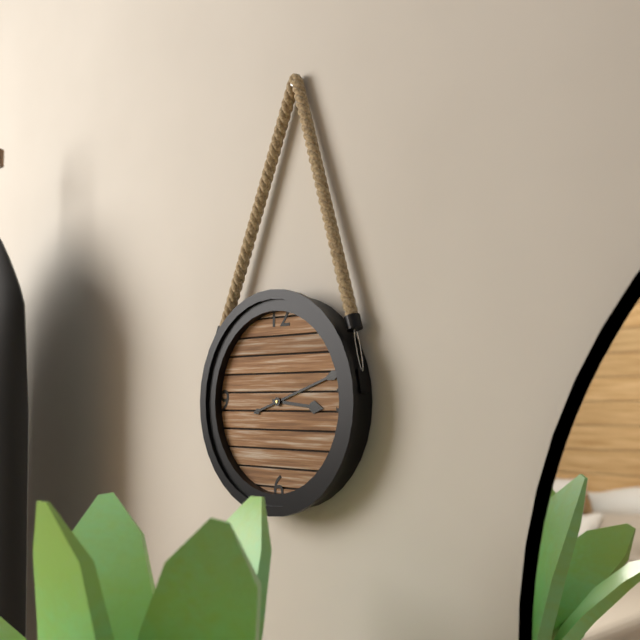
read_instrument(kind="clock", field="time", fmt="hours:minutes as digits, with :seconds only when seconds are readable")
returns 3:12
